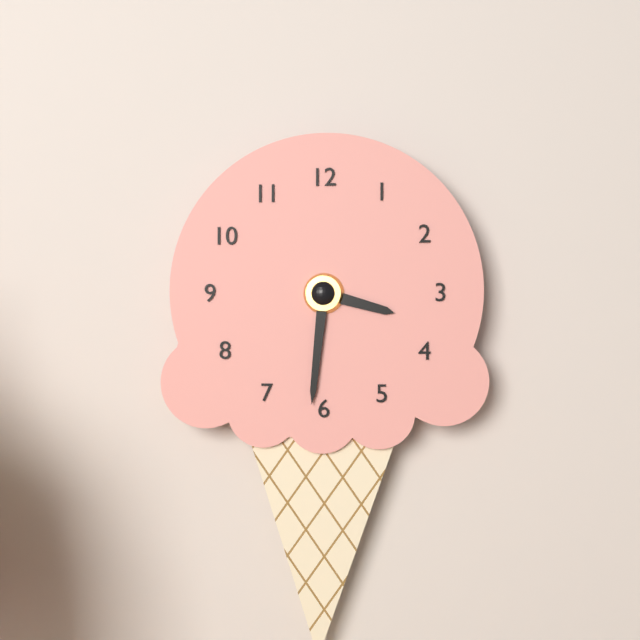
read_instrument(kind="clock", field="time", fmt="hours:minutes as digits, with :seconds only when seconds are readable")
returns 3:31
